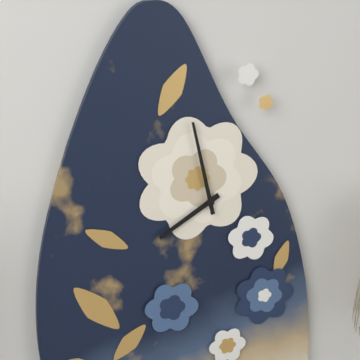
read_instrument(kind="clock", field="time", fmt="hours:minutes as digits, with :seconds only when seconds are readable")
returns 7:58
